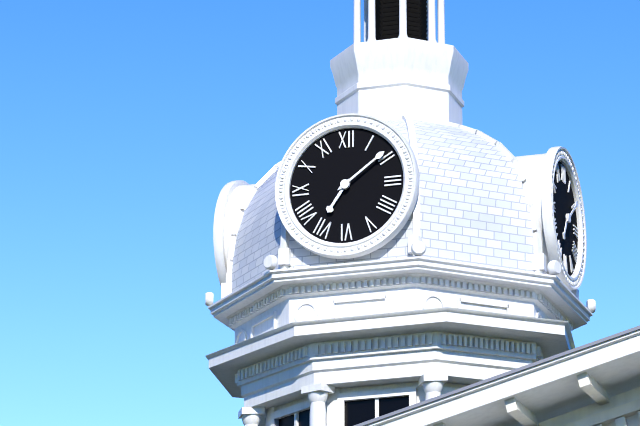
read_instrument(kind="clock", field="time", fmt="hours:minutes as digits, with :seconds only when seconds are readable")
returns 7:09
